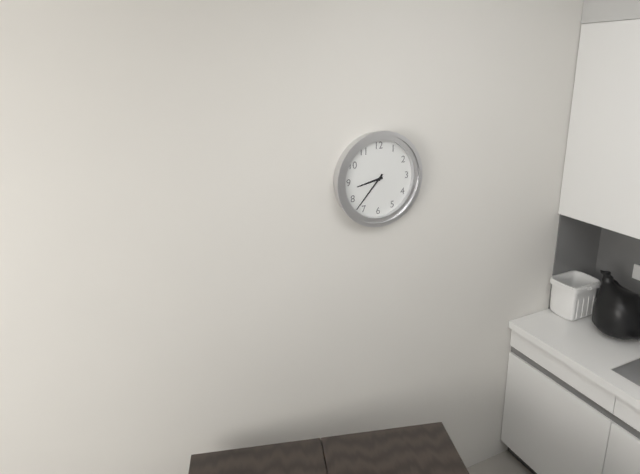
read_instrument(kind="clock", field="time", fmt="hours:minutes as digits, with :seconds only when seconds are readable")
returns 8:37
